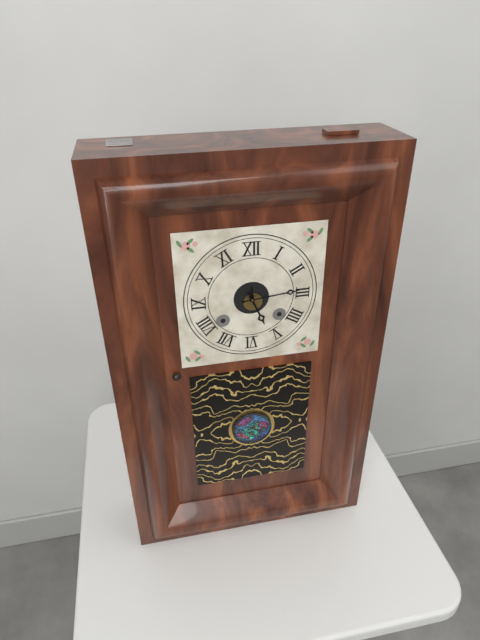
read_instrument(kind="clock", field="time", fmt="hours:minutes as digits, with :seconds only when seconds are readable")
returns 5:14
